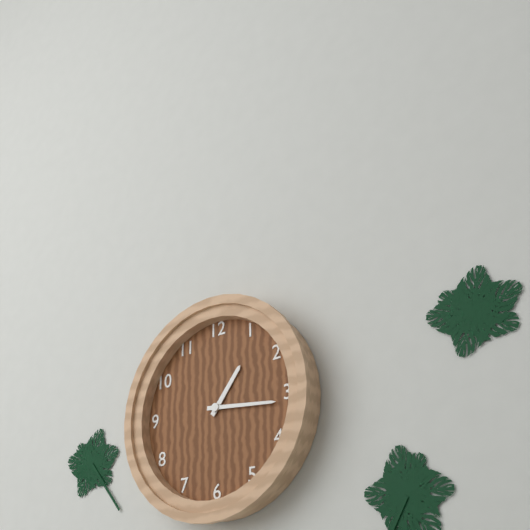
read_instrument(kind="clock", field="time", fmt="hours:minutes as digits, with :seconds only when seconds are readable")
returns 1:16
